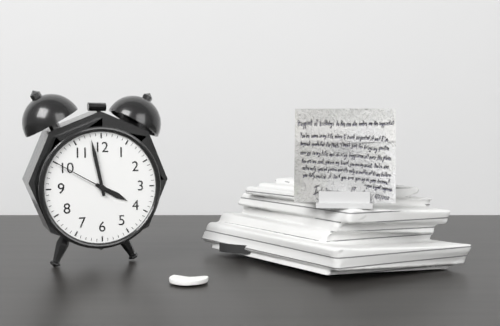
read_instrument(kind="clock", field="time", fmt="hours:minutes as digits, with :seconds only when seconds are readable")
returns 3:58:50
